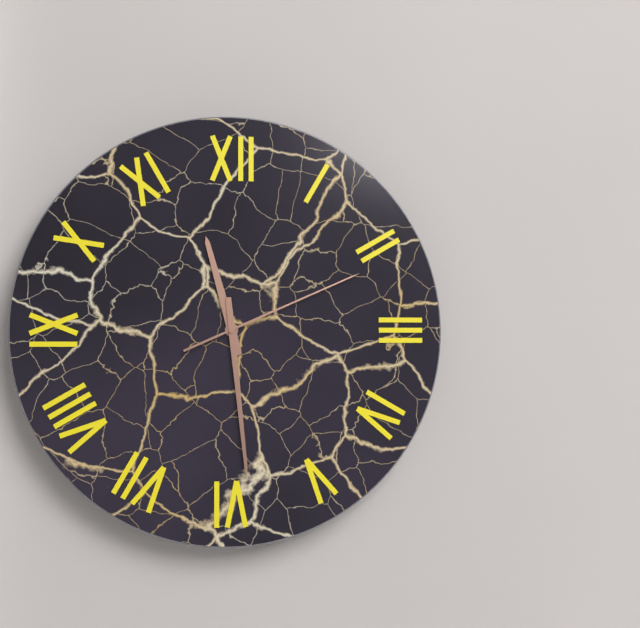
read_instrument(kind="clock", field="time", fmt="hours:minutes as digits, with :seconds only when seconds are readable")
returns 11:29:11
